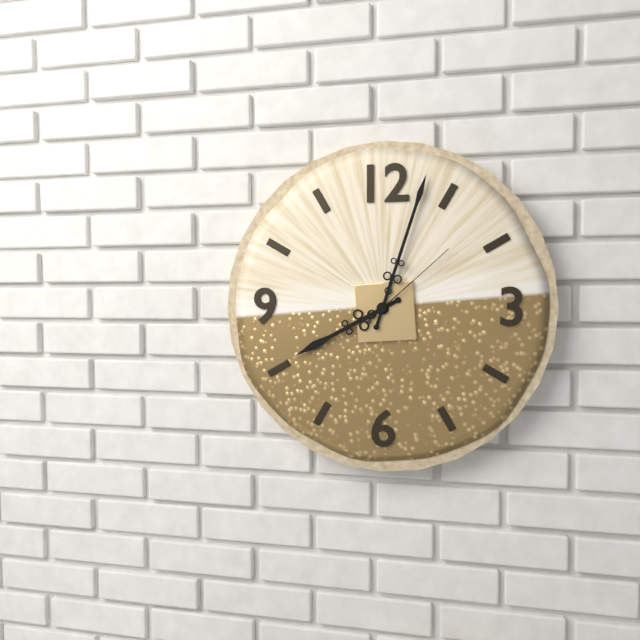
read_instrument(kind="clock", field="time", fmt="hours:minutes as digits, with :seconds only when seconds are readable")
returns 8:03:08
